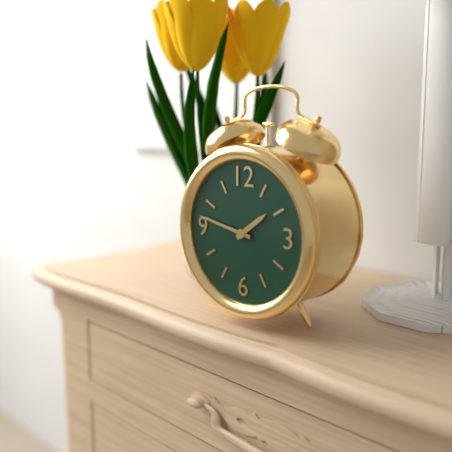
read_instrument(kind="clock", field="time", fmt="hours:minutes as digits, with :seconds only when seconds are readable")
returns 1:47
